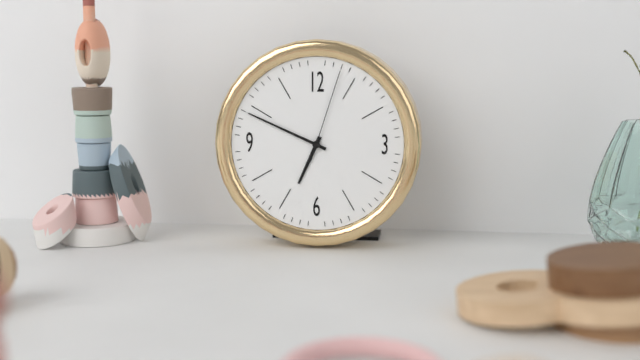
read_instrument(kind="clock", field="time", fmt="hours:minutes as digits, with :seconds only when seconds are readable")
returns 6:49:03
